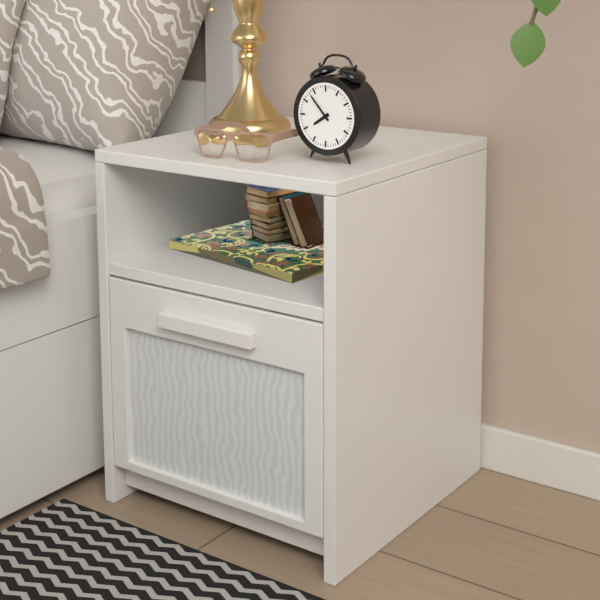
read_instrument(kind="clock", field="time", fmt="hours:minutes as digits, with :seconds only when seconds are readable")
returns 7:53
